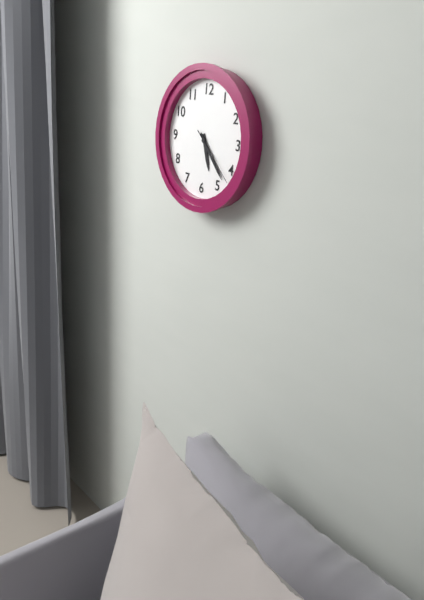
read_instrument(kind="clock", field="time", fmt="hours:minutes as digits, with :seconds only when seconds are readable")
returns 5:23:22
